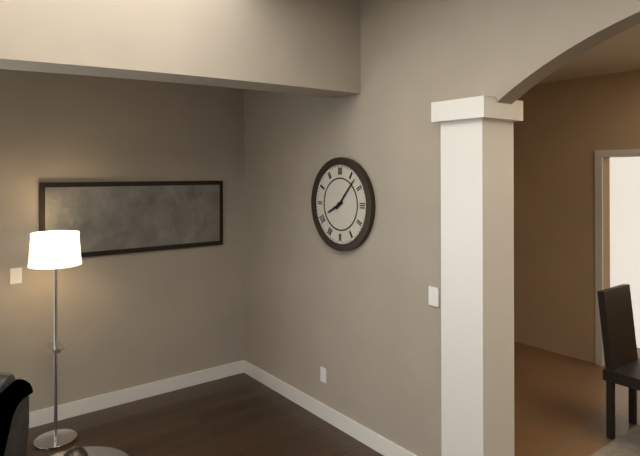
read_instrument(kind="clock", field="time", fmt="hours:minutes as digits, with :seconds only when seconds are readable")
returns 8:07
